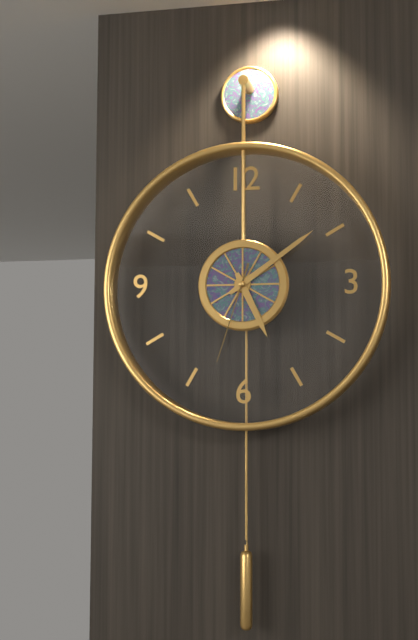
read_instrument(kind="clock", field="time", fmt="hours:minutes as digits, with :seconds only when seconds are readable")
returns 5:09:33
